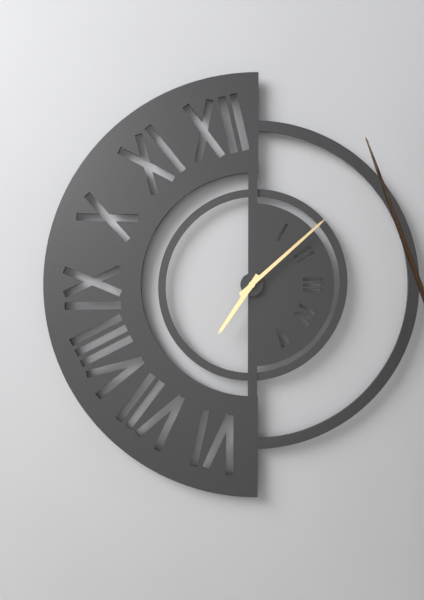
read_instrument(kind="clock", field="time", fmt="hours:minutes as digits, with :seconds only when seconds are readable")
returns 7:08
